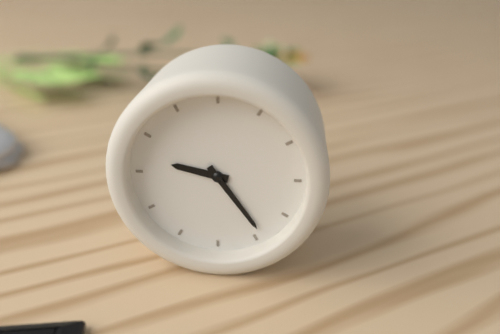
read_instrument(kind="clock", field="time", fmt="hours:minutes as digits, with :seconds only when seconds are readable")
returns 9:24
